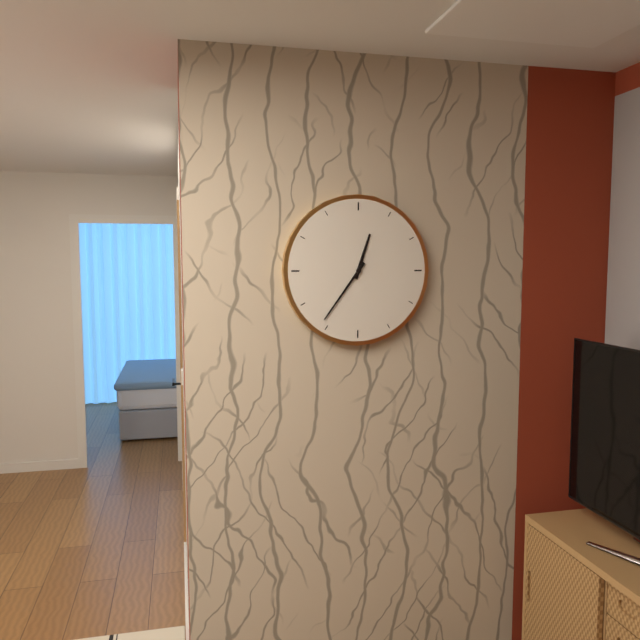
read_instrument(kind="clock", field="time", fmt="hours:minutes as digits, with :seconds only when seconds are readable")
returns 12:36
